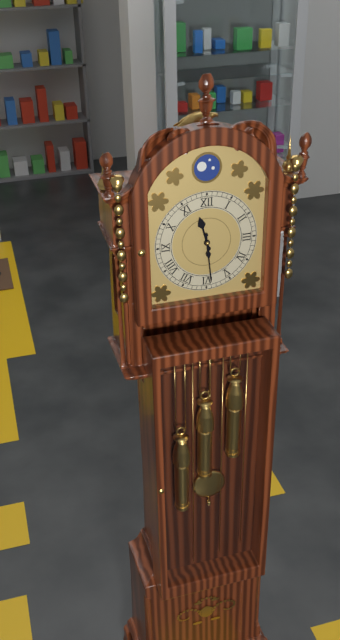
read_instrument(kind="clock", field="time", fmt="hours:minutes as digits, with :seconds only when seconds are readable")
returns 11:29
